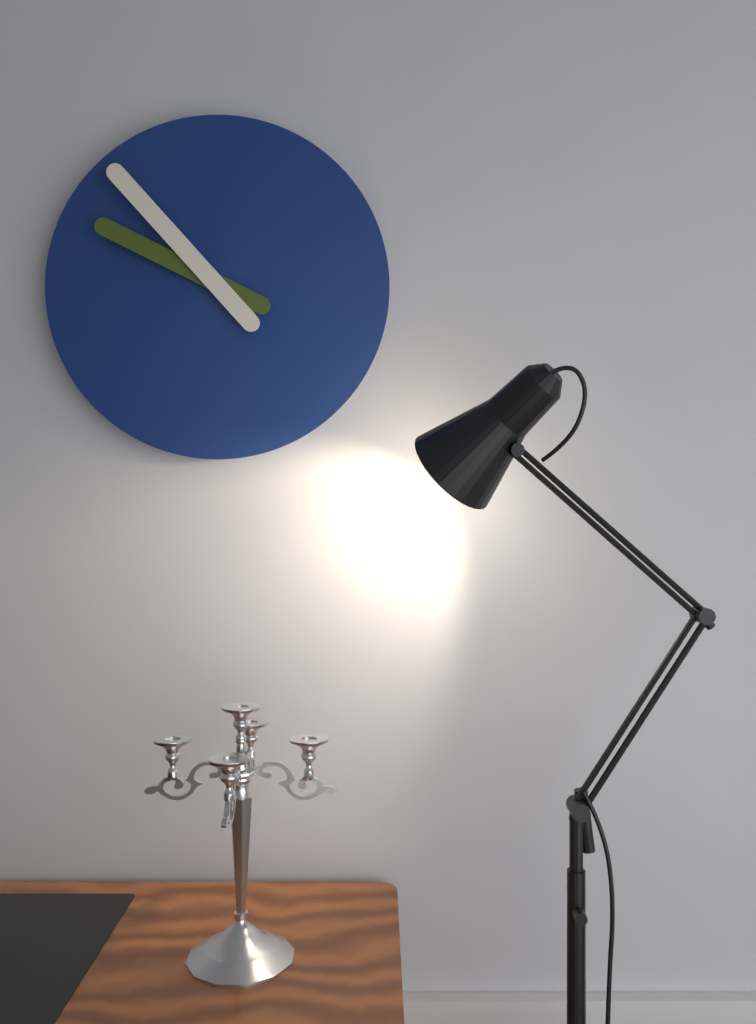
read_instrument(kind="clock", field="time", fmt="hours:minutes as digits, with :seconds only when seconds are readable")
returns 9:53
